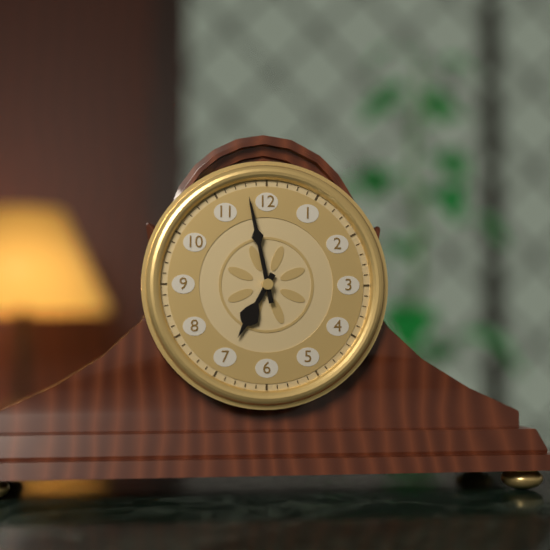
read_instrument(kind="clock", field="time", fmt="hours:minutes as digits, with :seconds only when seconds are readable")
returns 6:58
